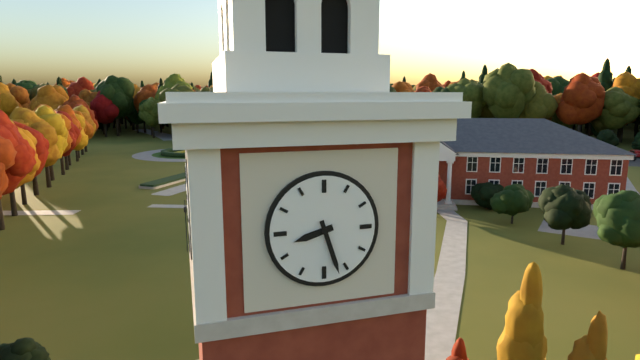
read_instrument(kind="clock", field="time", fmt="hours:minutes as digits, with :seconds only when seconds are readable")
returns 8:27
